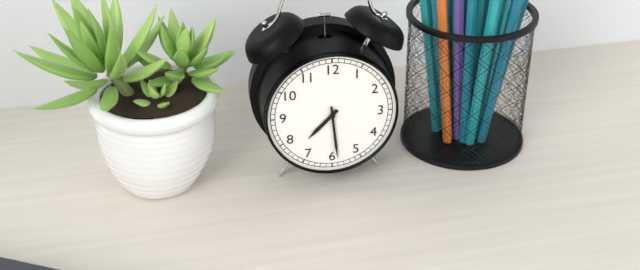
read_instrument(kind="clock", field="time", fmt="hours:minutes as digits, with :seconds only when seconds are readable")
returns 7:29
